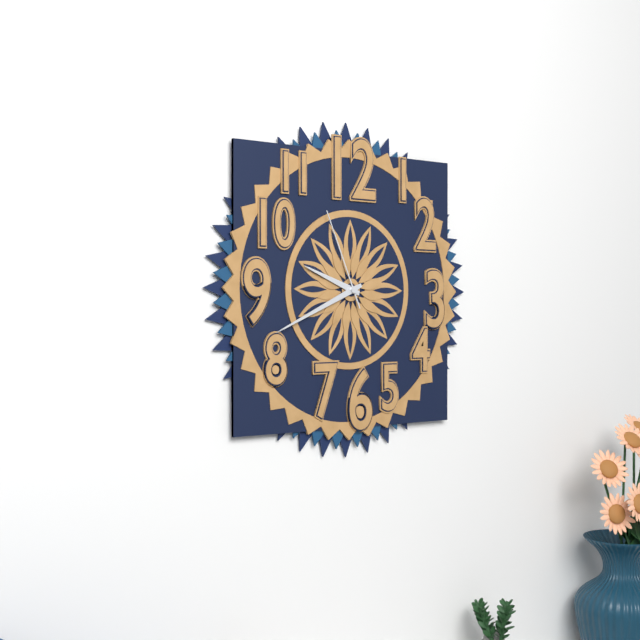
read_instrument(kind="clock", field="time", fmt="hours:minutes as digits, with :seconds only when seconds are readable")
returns 9:41:56
